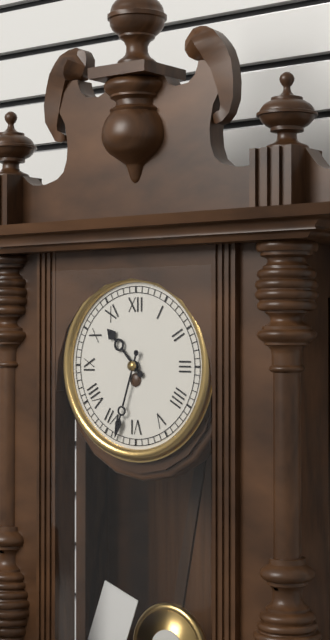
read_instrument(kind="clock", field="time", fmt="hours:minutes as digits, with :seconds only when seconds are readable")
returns 10:33
